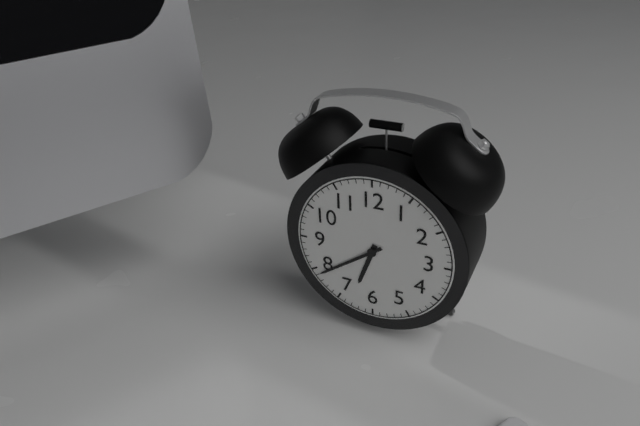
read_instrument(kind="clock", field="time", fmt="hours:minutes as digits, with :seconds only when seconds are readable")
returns 6:39
